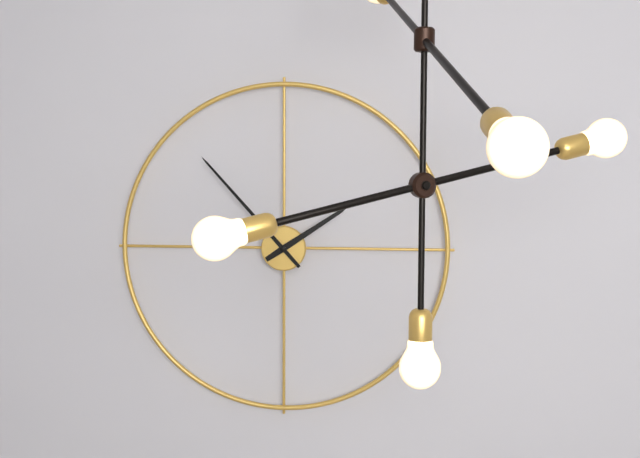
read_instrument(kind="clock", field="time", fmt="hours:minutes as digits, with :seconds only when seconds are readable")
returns 1:53
